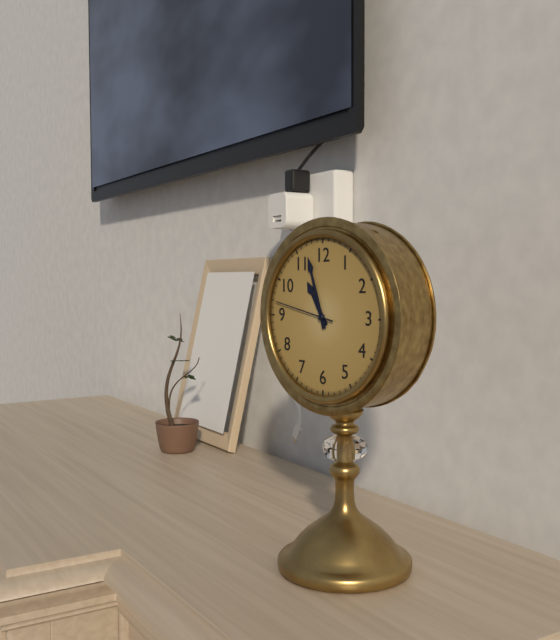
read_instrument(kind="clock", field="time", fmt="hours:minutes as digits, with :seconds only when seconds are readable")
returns 10:57:47
